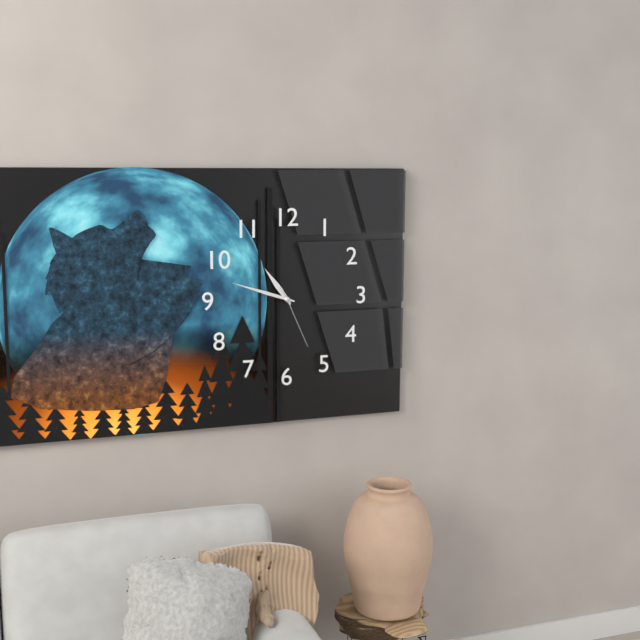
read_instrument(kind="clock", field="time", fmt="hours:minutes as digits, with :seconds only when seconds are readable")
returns 10:48:26
